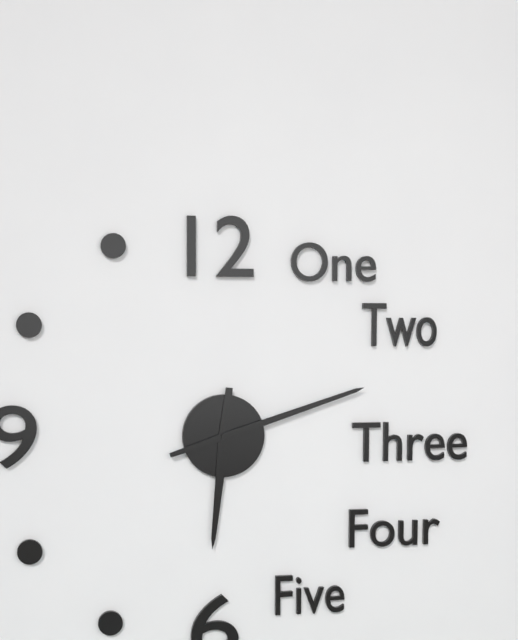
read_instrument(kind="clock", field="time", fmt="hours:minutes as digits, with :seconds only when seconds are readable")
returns 6:12
